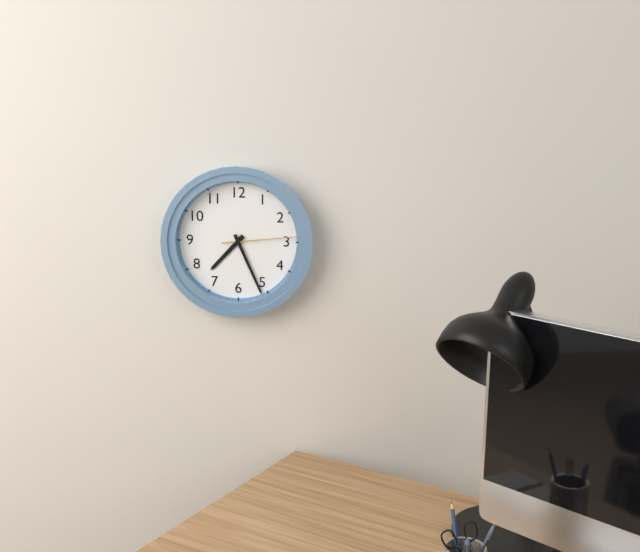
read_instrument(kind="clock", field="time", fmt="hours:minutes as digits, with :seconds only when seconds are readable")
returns 7:26:14
